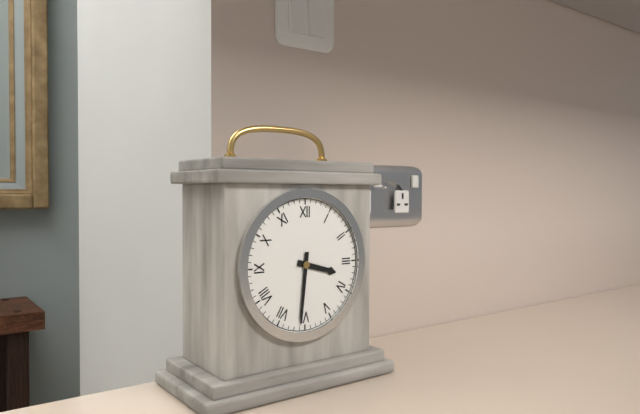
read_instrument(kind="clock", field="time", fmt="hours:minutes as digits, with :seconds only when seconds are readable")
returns 3:31
